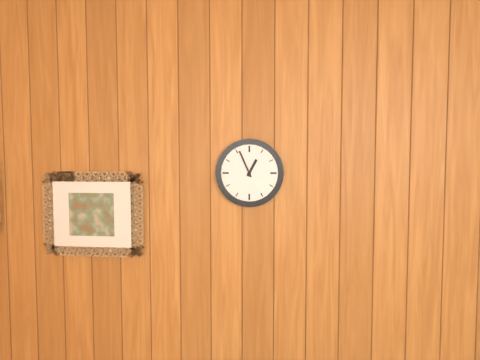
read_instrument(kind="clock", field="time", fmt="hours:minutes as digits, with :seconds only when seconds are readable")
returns 12:56
